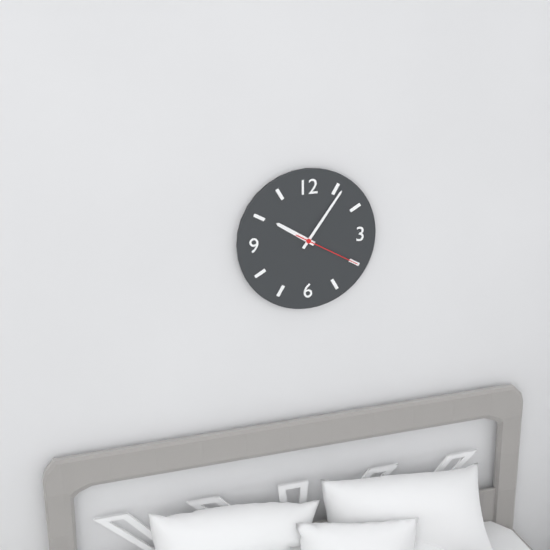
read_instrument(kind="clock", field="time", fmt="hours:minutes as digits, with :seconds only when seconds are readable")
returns 10:06:20
